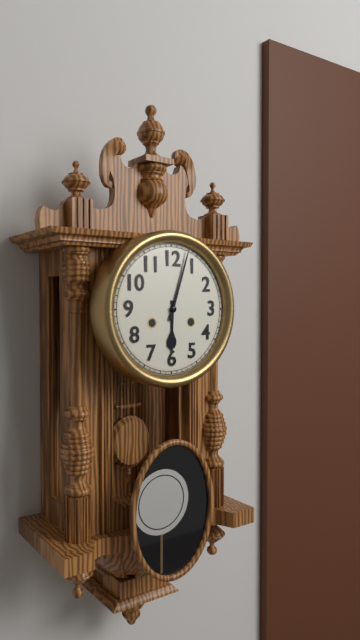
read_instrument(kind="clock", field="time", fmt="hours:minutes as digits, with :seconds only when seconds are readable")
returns 6:03
